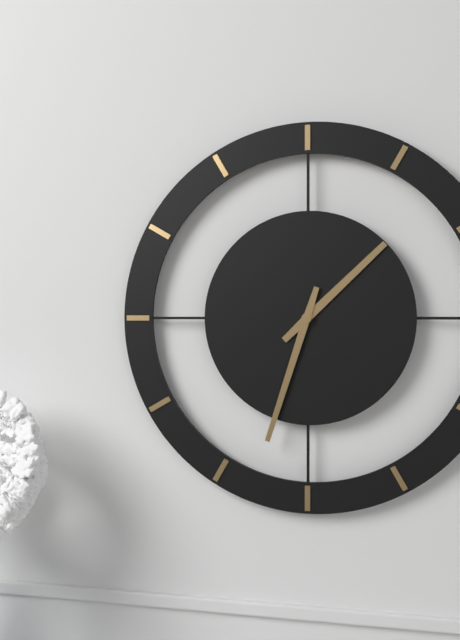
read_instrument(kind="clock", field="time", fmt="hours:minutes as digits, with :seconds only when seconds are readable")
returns 1:33
